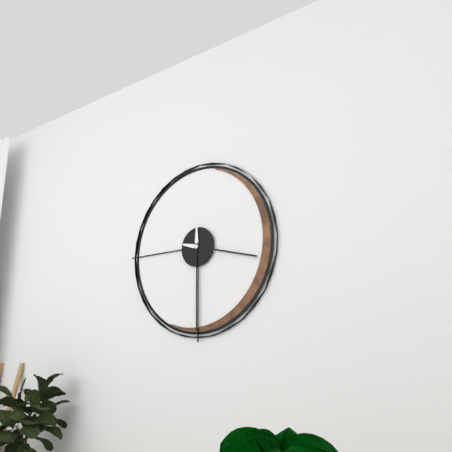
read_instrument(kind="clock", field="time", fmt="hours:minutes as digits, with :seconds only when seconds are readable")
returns 3:30
